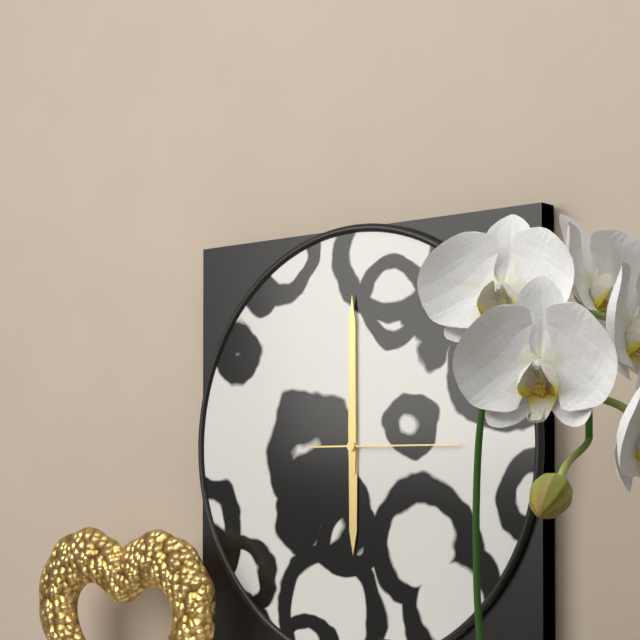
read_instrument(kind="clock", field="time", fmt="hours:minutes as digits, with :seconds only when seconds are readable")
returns 6:00:15
